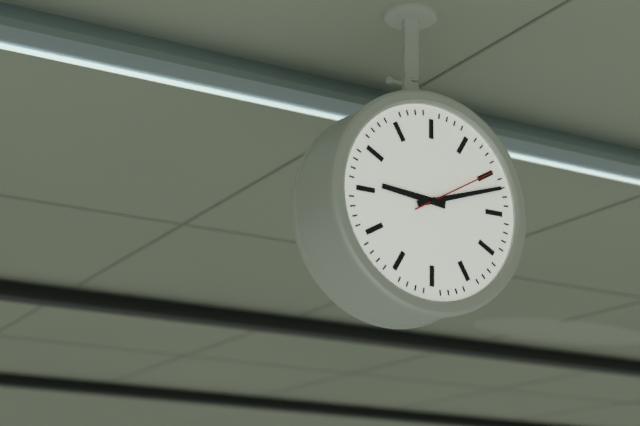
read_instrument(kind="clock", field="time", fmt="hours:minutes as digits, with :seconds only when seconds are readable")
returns 9:12:10
